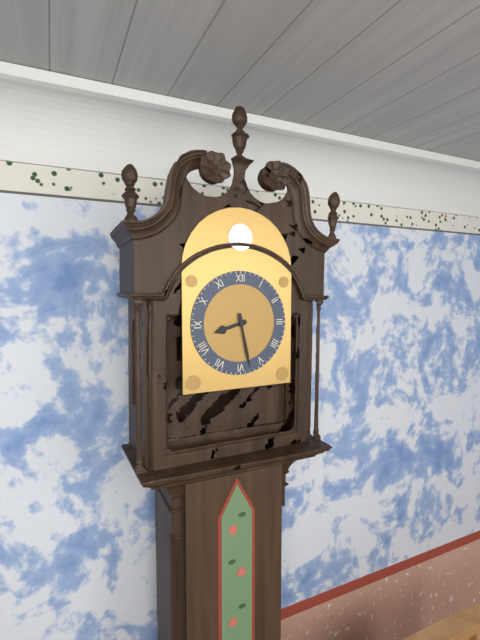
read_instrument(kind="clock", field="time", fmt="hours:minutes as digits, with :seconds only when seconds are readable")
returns 8:28
